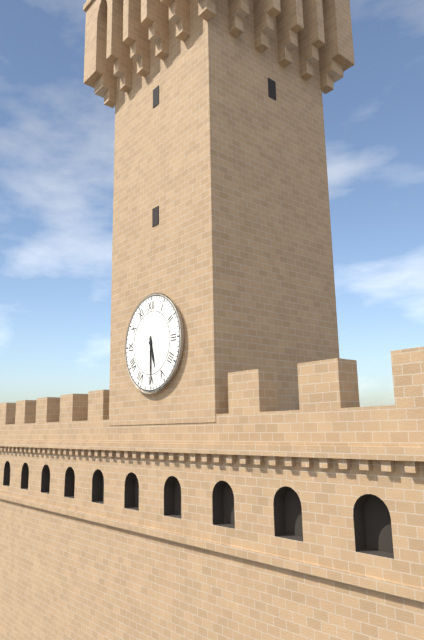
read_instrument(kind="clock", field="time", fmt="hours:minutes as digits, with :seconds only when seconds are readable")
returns 5:30
